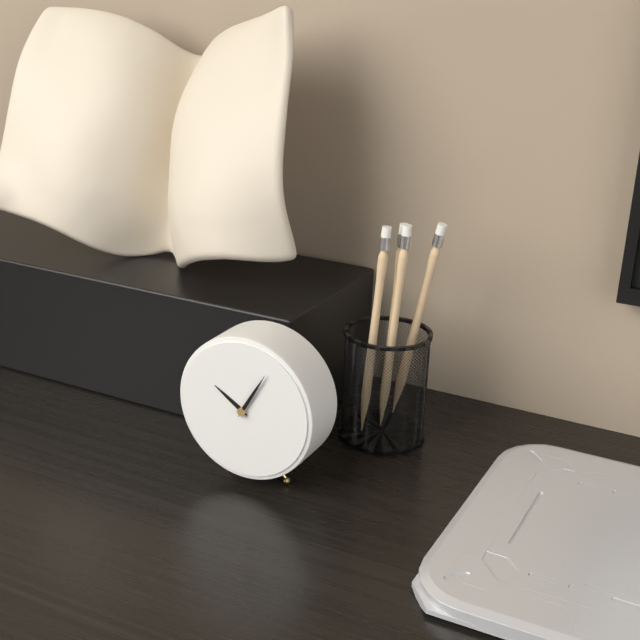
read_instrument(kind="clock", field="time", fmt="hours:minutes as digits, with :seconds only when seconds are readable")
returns 10:05
